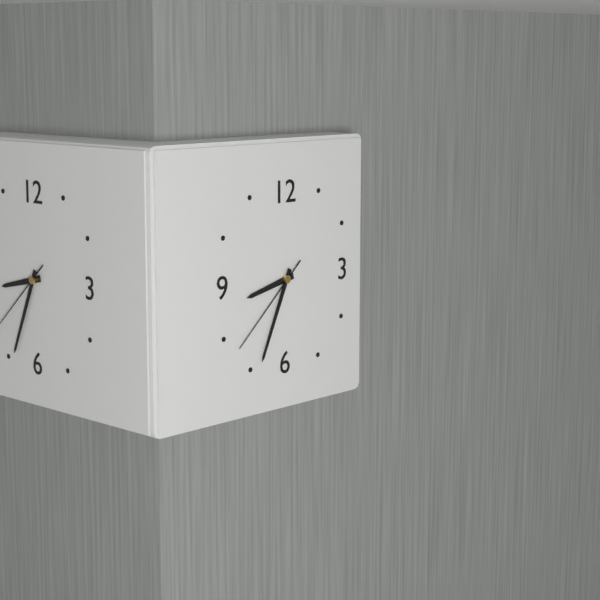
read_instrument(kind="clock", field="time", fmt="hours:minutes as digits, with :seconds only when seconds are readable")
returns 8:34:38
